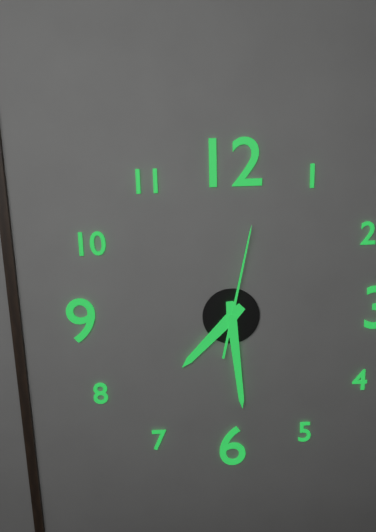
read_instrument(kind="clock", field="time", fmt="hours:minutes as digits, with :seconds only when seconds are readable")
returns 7:29:02
